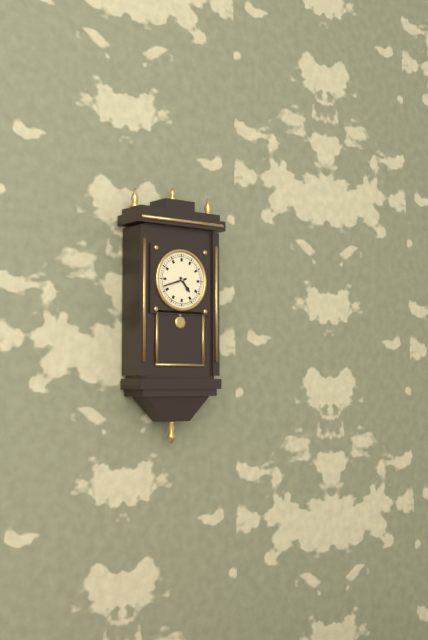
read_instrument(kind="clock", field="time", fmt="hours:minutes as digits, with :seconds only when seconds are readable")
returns 4:42
